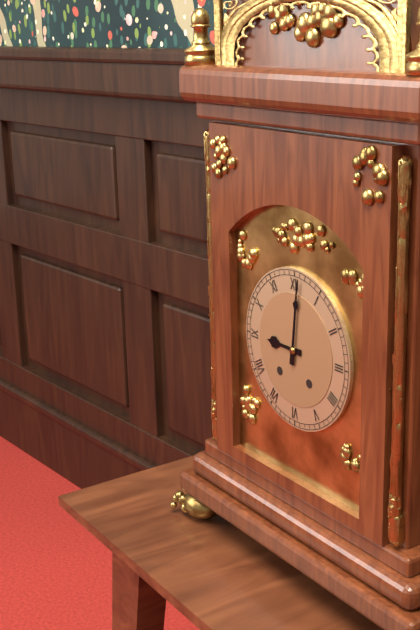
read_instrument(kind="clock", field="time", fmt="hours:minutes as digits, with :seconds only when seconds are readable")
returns 9:01
